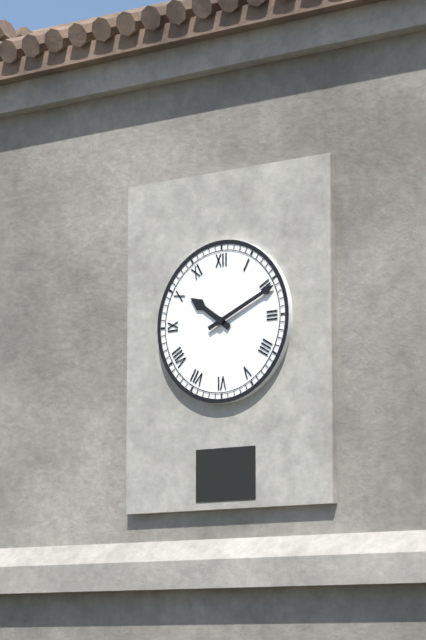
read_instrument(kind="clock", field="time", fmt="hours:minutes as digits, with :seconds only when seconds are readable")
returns 10:11
